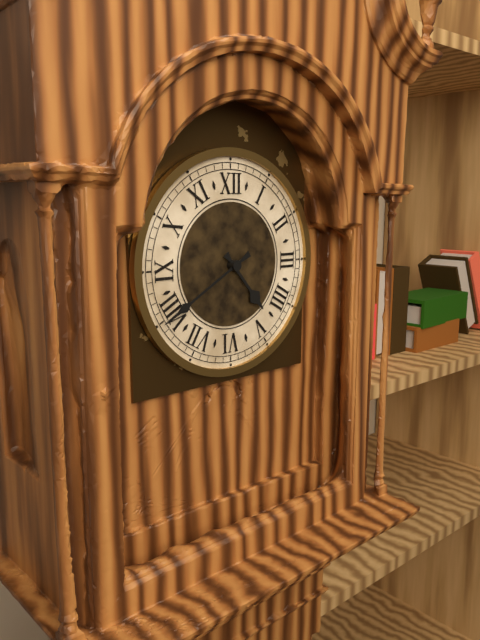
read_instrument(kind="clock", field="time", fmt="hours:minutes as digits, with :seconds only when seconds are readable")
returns 4:40
